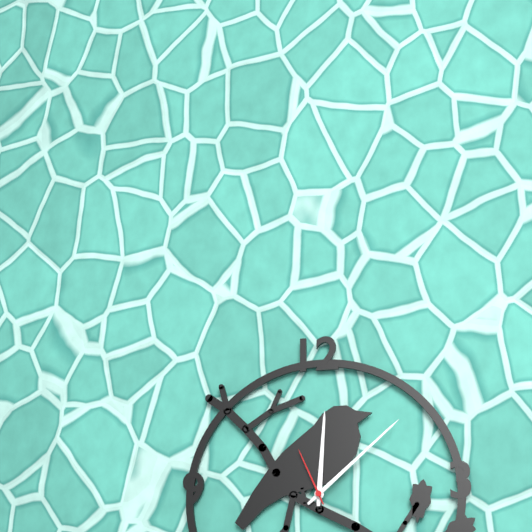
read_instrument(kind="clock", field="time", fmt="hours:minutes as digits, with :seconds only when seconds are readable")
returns 12:08:56
